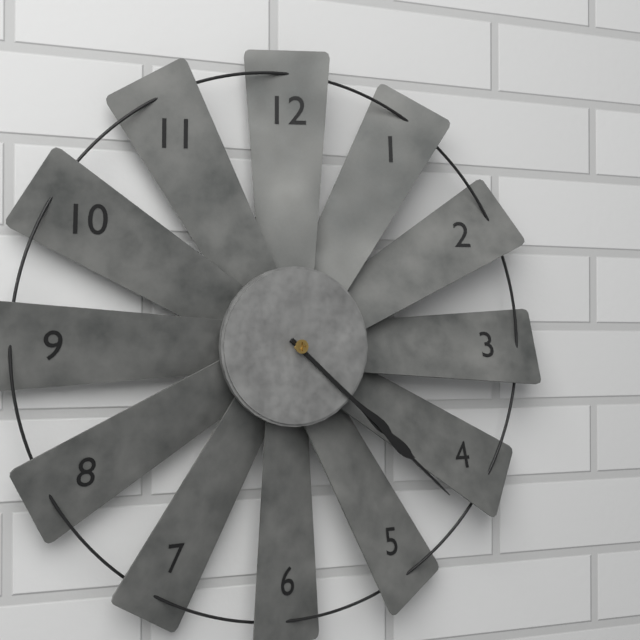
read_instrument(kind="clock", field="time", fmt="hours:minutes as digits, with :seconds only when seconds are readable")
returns 4:22
